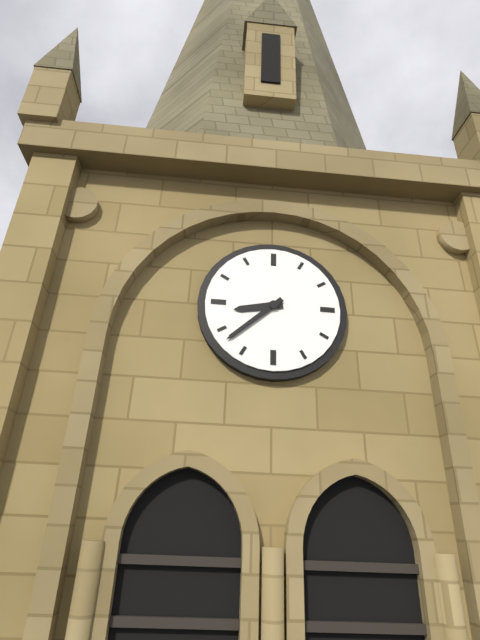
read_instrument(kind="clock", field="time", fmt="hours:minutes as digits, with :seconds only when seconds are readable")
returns 8:38
